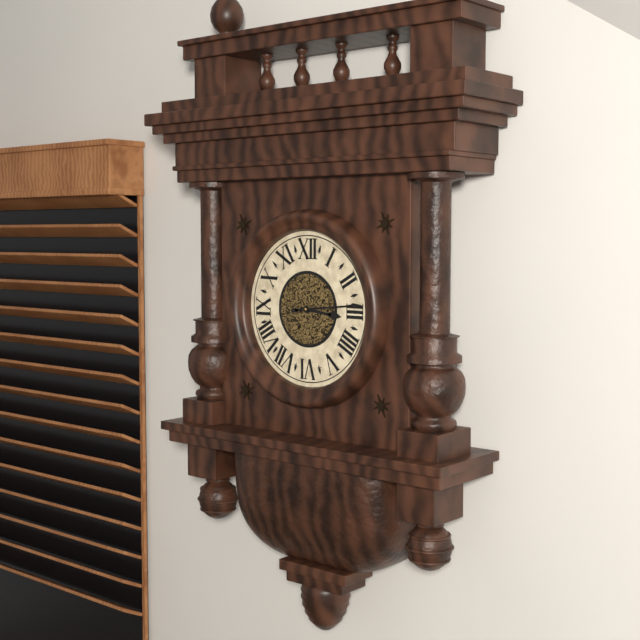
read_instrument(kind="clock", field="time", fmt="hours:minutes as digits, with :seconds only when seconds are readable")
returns 3:14
